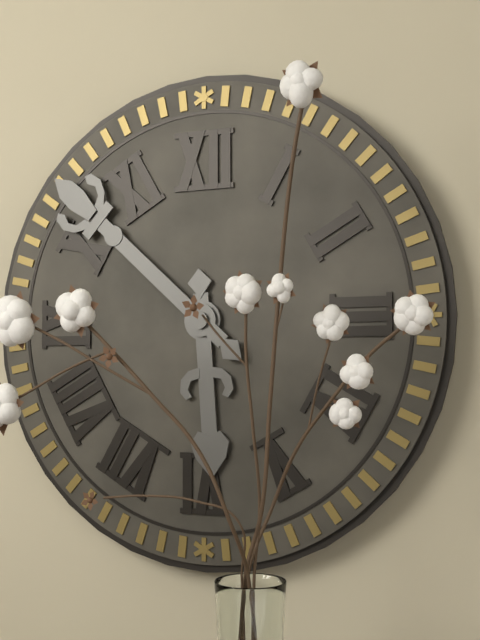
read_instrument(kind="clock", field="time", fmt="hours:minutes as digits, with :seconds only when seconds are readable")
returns 5:52
